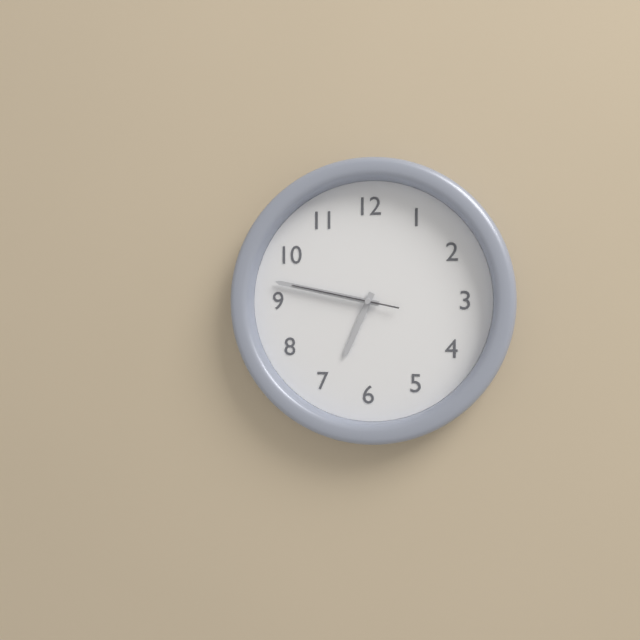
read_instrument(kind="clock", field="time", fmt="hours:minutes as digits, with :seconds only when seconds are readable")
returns 6:47:47
